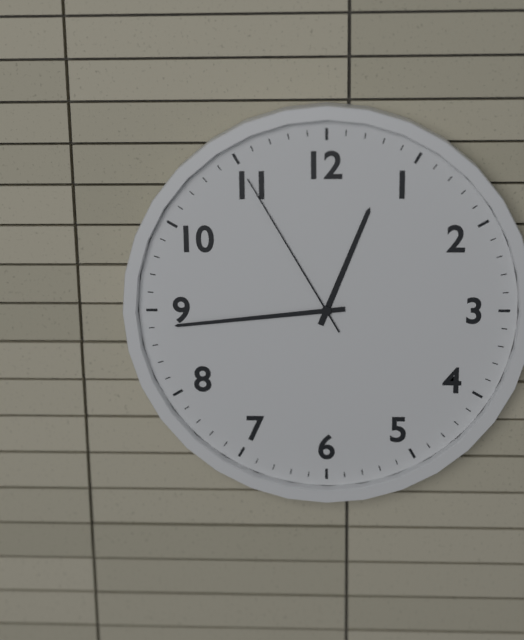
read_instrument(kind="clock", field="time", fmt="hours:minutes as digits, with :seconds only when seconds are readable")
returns 12:44:55
